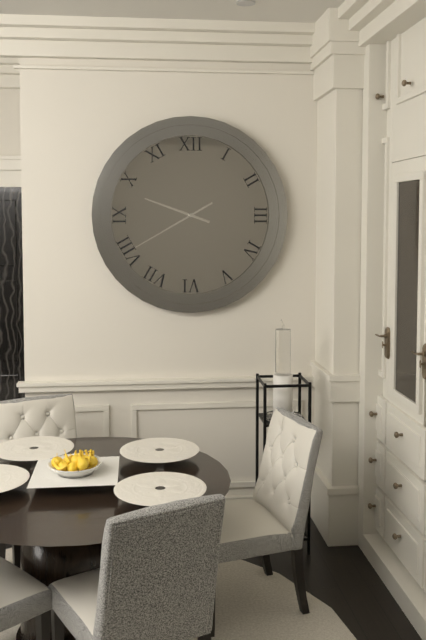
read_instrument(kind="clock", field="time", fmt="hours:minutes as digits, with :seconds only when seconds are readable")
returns 9:40
